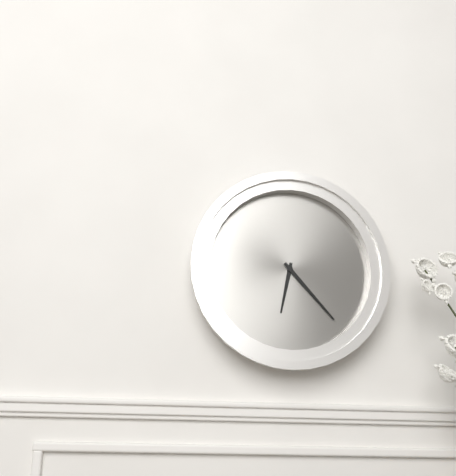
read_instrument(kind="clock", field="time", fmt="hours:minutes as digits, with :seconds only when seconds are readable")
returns 6:23
